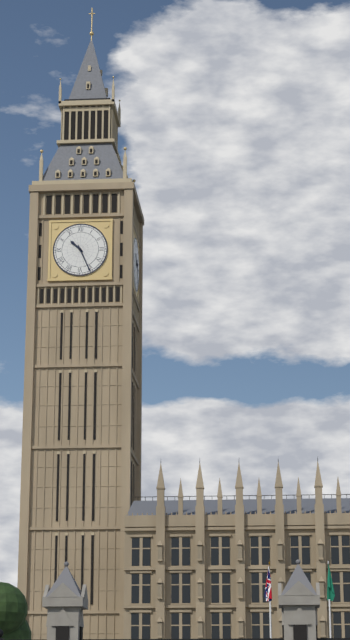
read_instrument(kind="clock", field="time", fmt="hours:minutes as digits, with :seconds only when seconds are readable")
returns 10:26
